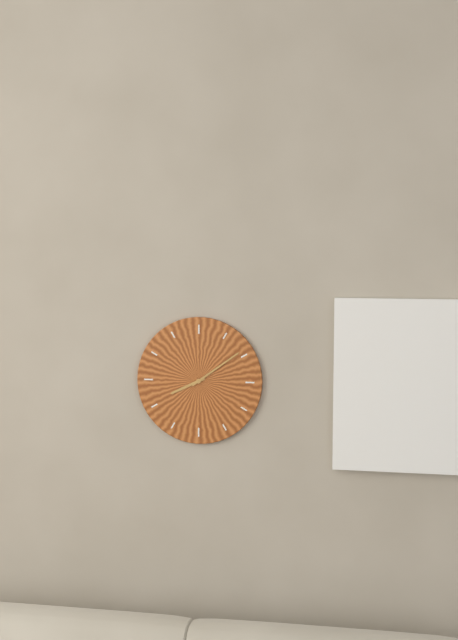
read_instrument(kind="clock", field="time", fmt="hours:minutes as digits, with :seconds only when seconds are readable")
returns 8:09
